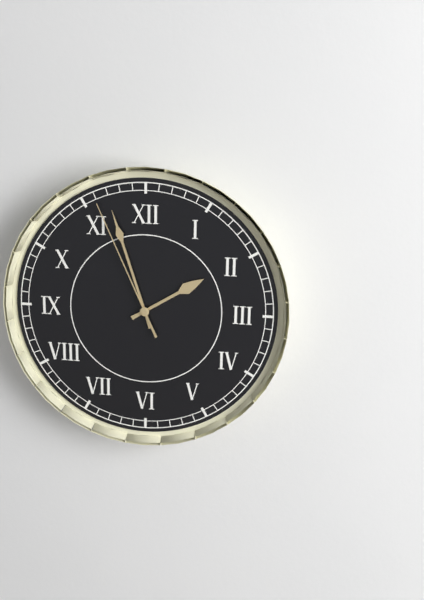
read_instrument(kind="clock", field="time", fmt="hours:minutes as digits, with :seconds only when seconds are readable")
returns 1:57:56
